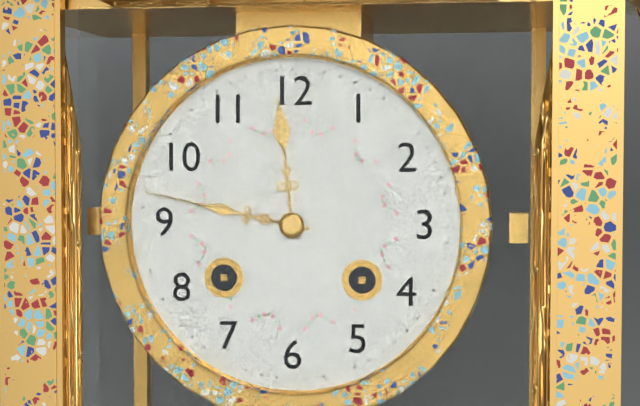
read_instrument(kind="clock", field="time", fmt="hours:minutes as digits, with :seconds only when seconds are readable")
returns 11:47
